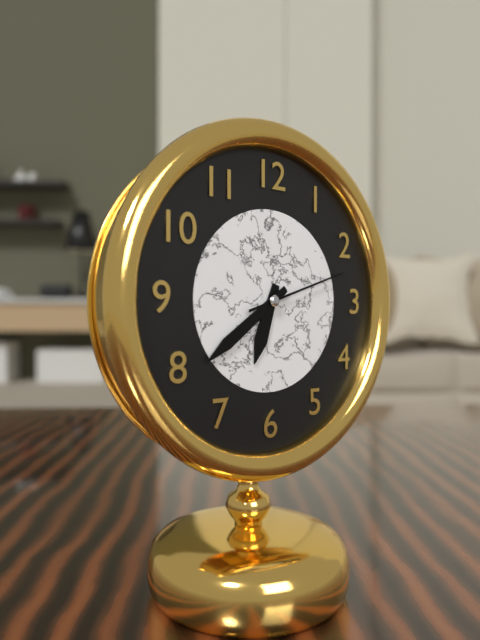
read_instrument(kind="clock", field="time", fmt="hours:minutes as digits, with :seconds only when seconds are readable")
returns 6:39:12
